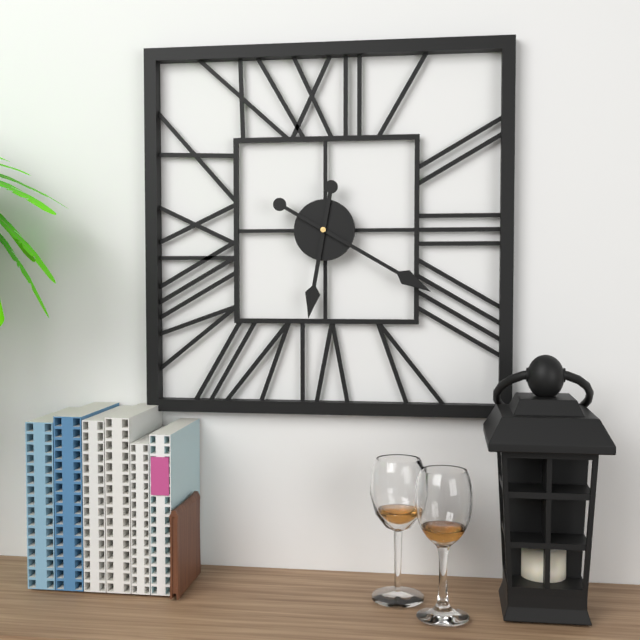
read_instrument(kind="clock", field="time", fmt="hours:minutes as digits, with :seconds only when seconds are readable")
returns 6:20
